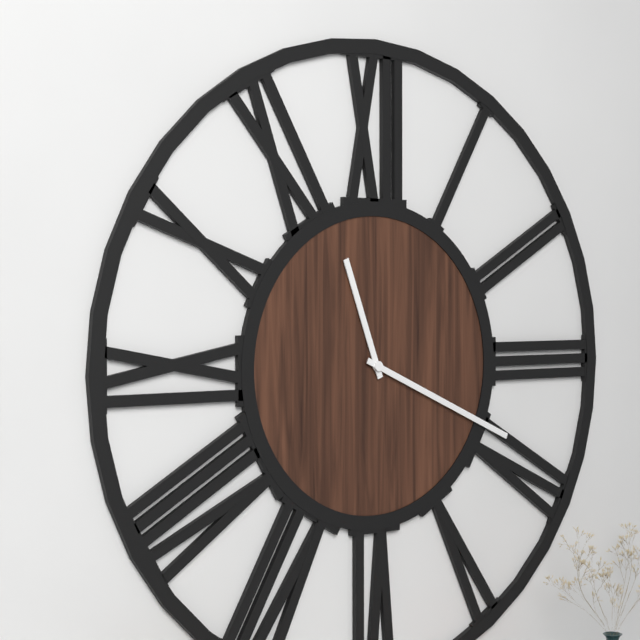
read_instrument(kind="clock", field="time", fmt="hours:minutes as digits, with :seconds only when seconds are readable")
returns 11:19
